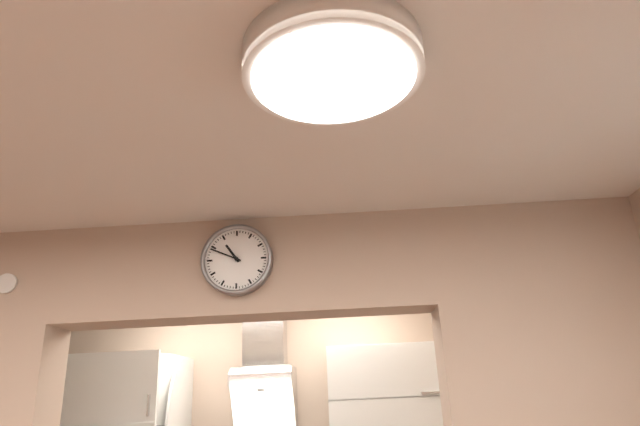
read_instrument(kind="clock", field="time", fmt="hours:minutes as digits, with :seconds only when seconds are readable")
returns 10:49
